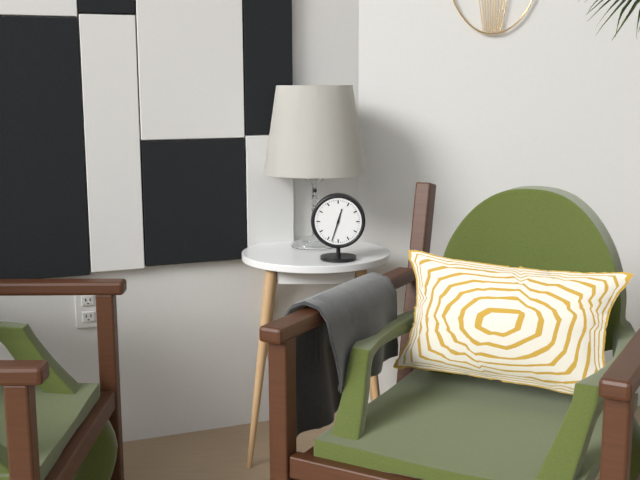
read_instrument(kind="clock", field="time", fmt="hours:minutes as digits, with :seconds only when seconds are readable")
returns 12:33
